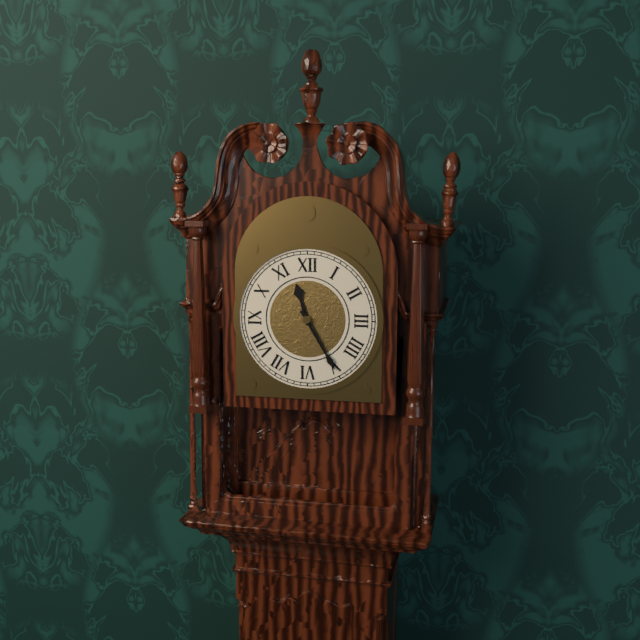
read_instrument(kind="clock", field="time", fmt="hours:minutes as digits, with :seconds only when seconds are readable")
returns 11:25
